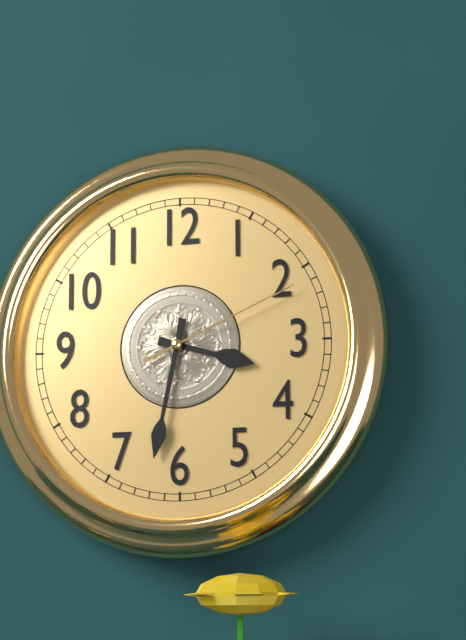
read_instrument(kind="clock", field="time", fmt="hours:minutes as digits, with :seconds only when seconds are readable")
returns 3:32:11
